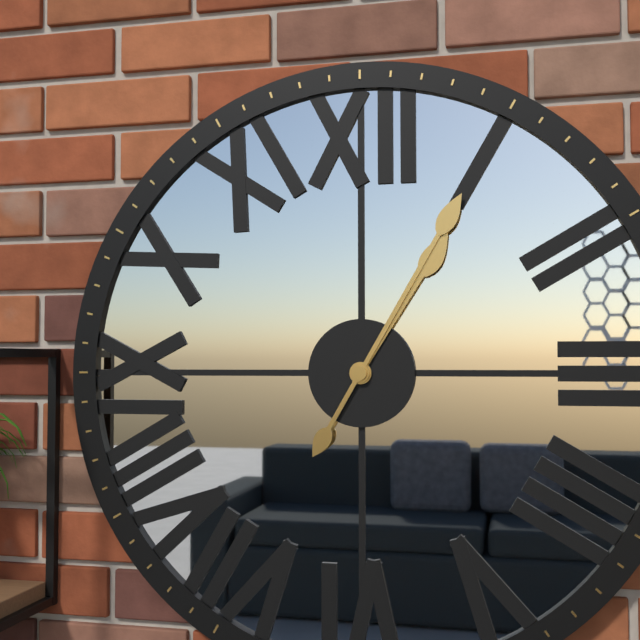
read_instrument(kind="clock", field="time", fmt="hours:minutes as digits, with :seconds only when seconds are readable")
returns 1:05
